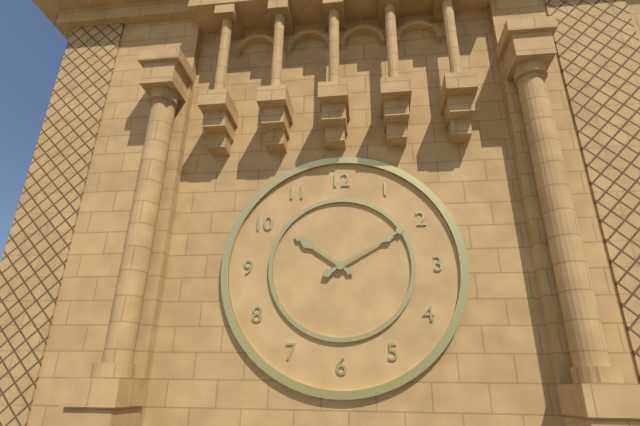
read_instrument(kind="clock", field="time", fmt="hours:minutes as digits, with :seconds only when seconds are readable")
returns 10:10
